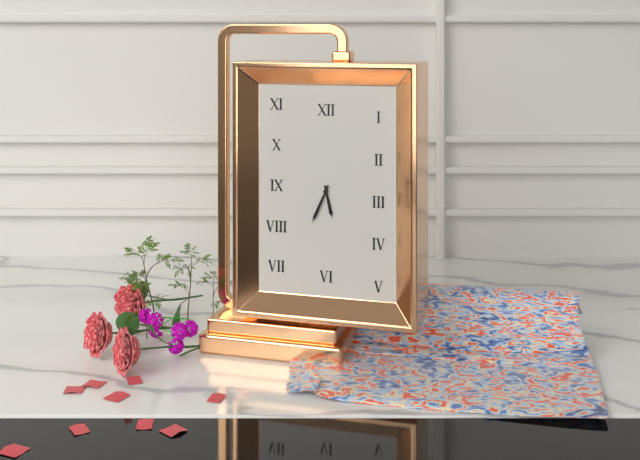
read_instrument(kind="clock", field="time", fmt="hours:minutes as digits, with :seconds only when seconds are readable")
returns 5:34
